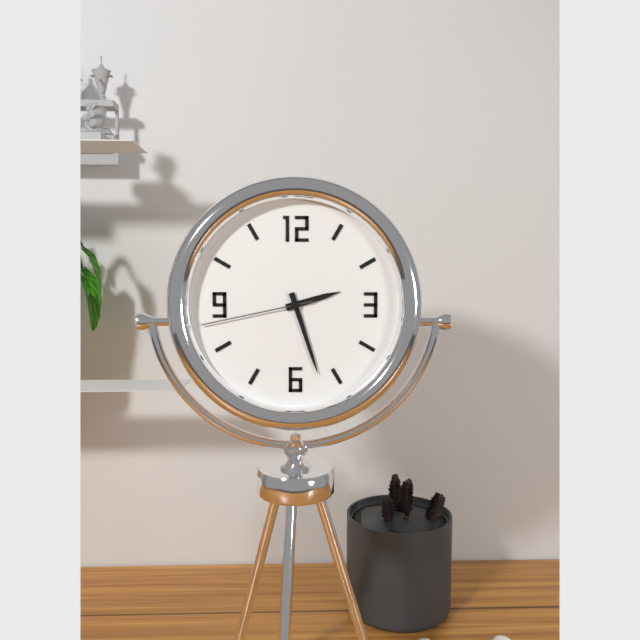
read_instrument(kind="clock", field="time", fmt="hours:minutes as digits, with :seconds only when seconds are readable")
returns 2:27:43
